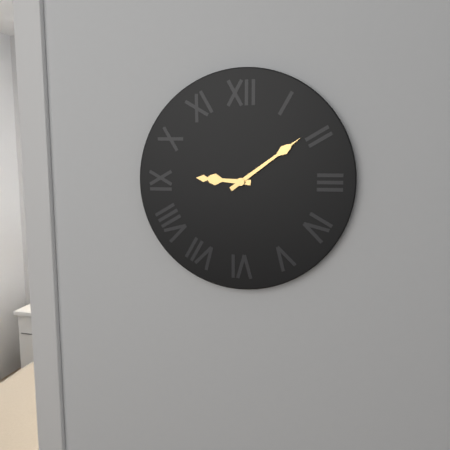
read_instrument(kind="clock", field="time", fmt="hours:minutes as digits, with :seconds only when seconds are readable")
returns 9:09
